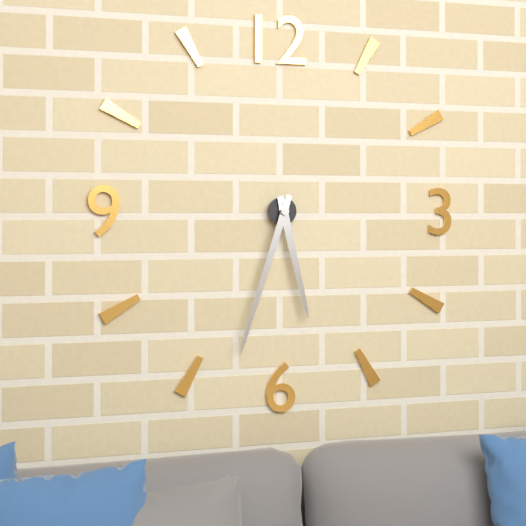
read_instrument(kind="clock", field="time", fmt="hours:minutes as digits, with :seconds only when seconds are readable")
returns 5:33
